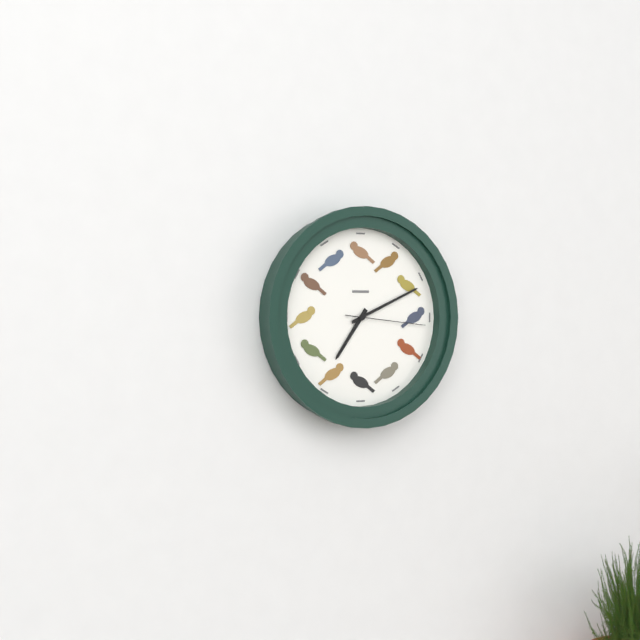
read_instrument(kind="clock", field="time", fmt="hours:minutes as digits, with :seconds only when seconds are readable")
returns 7:11:16
